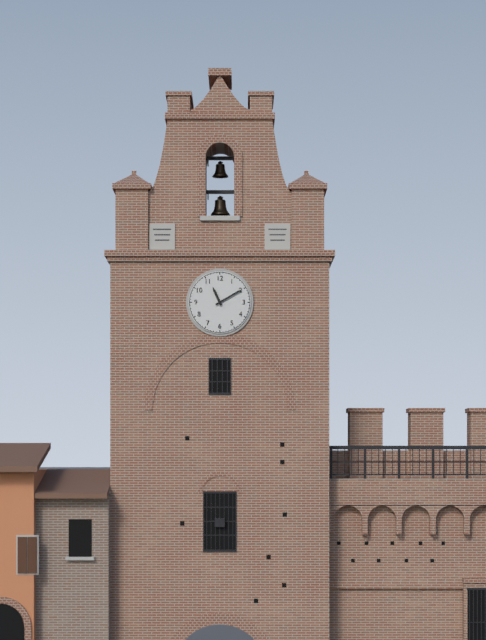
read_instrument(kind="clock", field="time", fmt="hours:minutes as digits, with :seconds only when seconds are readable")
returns 11:10
